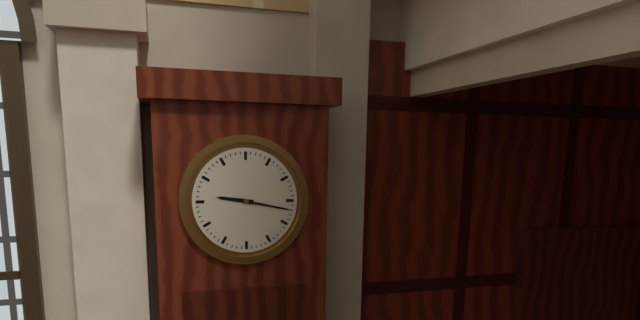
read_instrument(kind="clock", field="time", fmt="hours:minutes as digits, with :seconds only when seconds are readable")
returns 9:17
